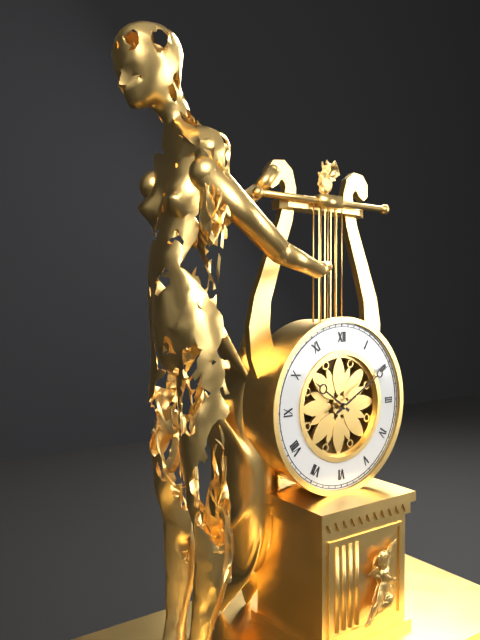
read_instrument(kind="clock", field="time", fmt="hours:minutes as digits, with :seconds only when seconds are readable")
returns 10:10
